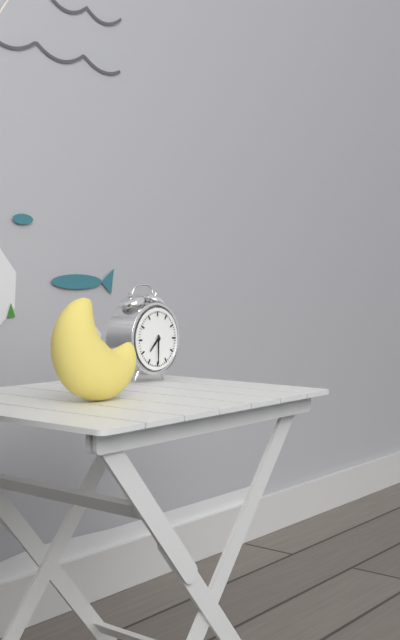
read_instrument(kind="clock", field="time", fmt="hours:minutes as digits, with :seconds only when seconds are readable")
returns 7:30
